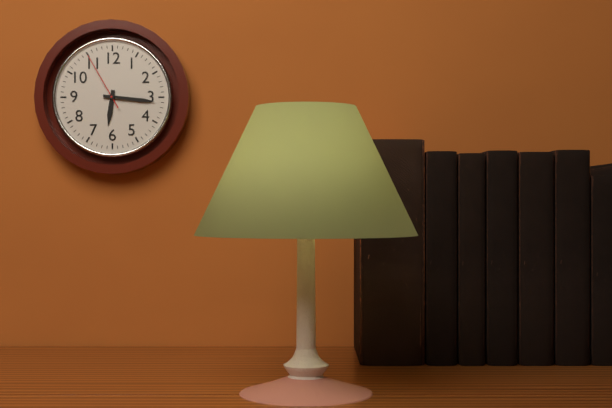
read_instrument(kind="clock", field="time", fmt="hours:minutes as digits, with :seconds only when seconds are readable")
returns 6:16:55
